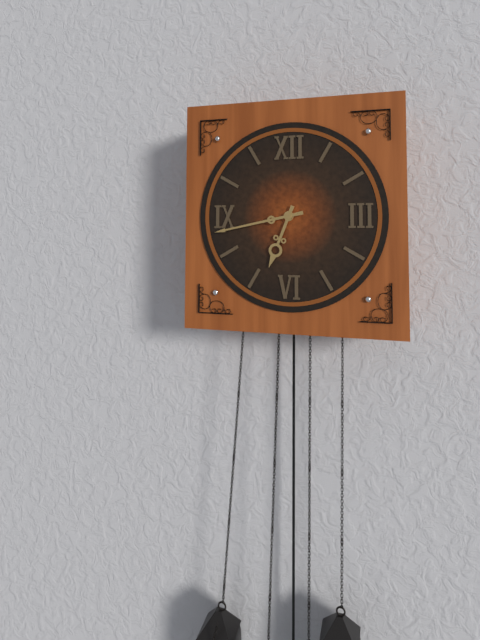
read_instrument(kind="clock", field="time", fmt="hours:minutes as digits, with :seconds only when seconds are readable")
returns 6:43
